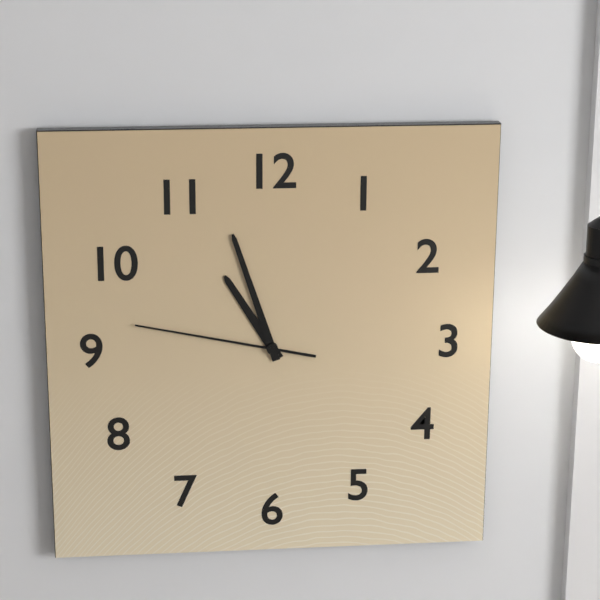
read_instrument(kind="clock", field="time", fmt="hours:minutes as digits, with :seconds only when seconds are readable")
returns 10:57:47
